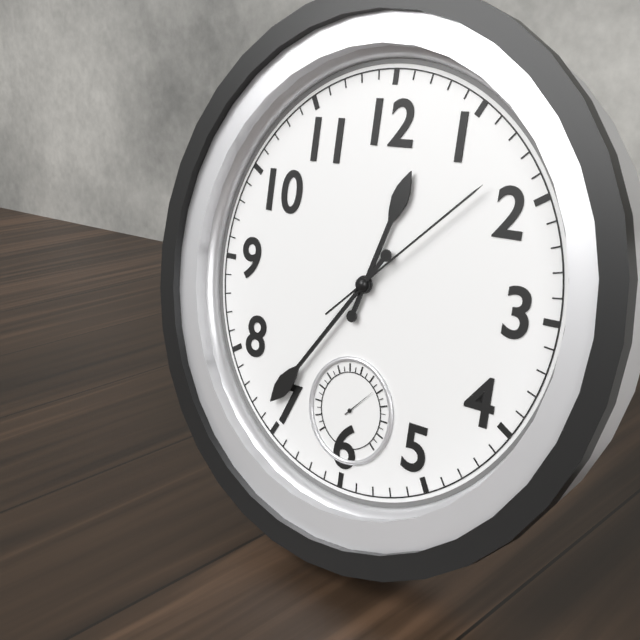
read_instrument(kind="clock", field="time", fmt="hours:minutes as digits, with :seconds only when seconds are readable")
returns 12:36:08
